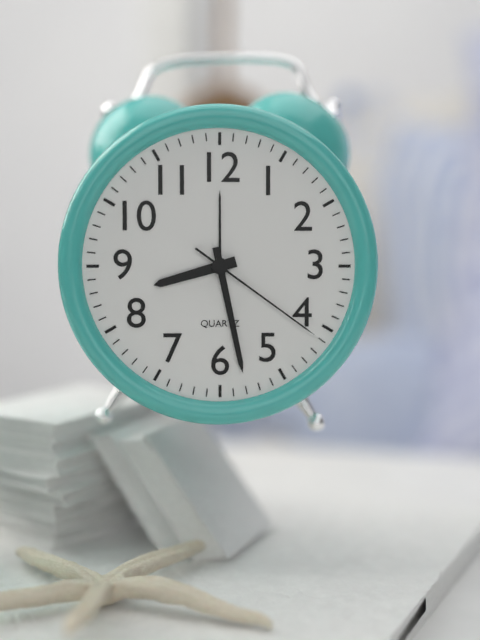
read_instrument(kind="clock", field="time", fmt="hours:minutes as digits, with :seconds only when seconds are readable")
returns 8:28:21
